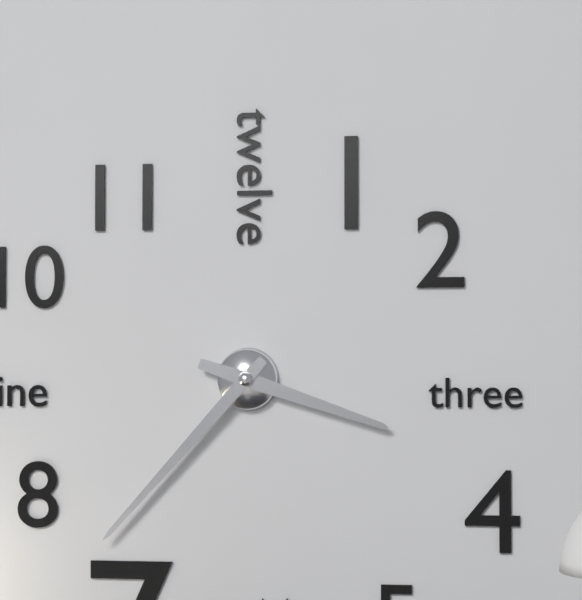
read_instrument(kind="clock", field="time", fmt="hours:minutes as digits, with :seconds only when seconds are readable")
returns 3:37
